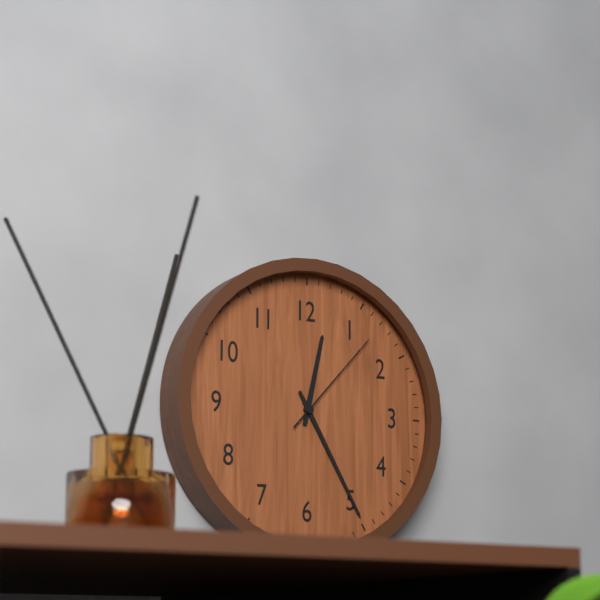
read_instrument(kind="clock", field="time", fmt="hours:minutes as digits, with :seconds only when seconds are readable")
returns 12:25:07
